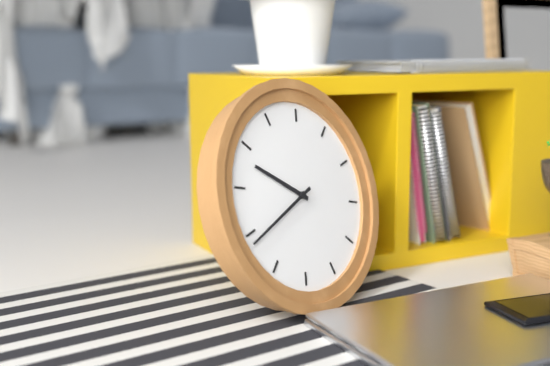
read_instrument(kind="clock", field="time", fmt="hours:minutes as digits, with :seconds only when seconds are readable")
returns 9:39
